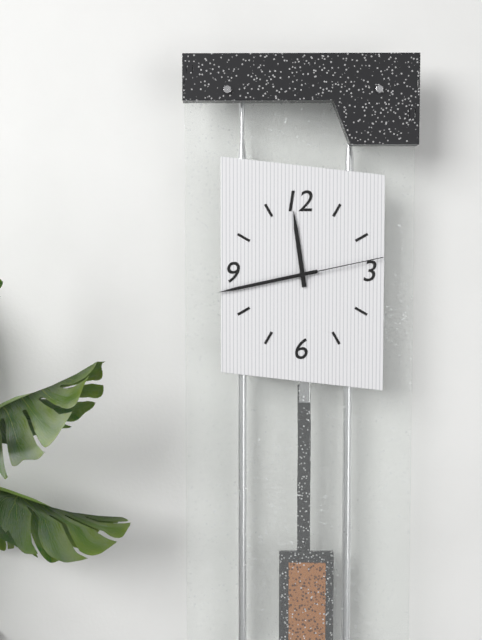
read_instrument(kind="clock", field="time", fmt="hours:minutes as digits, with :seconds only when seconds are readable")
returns 11:43:13
